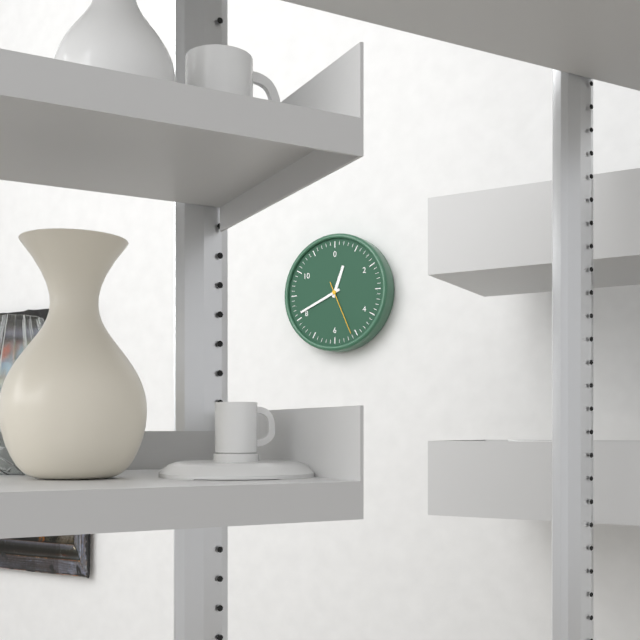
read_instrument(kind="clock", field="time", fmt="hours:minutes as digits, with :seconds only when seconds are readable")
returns 12:41:26
